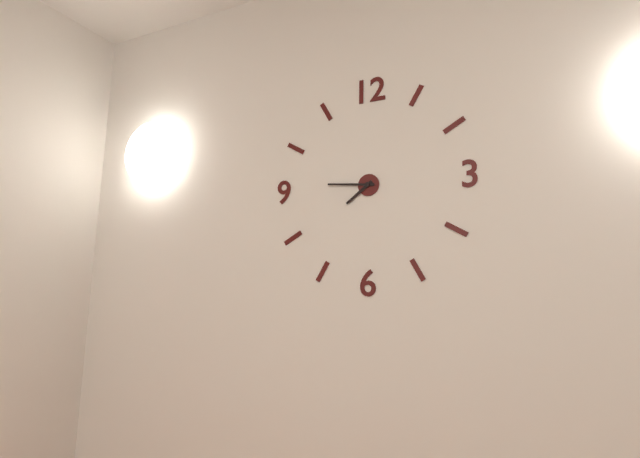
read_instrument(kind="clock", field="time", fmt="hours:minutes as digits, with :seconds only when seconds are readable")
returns 7:46
